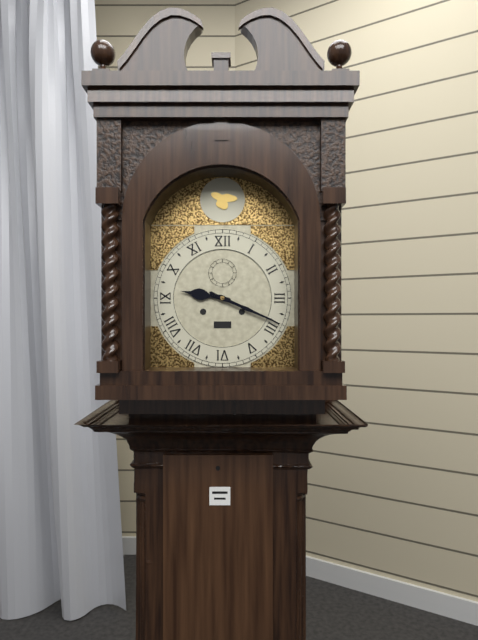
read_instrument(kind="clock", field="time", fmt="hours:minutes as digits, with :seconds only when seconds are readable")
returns 9:19
